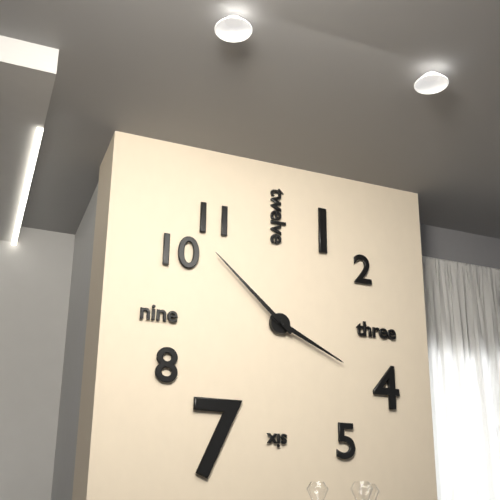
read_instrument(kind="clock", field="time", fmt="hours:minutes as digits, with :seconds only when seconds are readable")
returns 3:52
